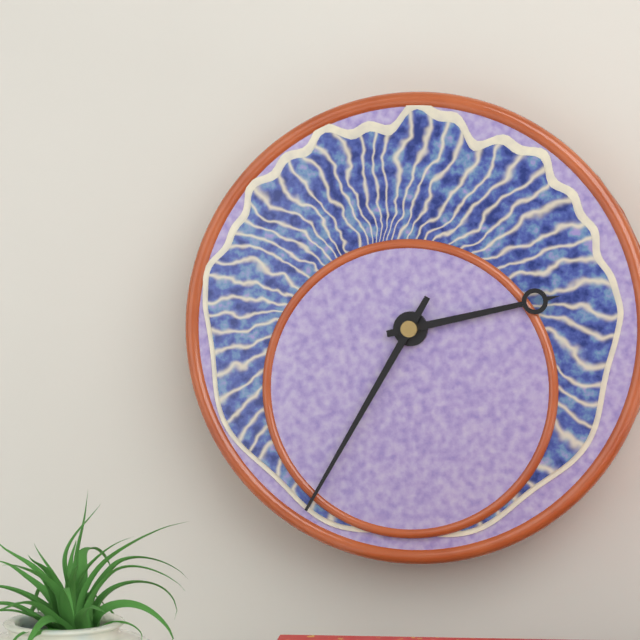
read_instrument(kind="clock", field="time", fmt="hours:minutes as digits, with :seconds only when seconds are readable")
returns 2:35
